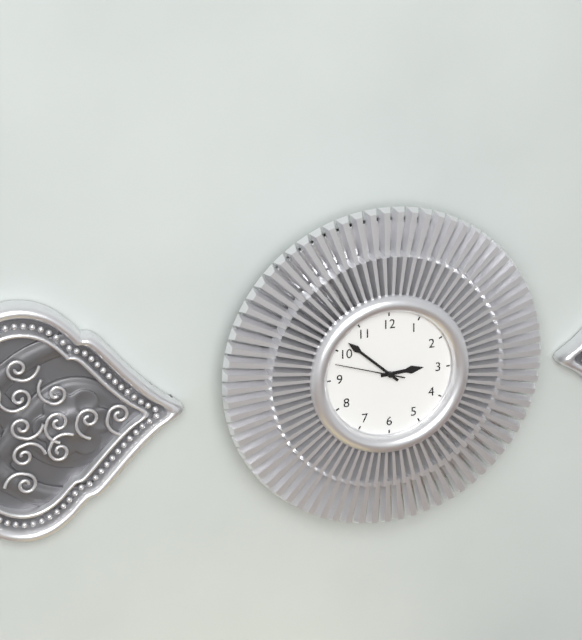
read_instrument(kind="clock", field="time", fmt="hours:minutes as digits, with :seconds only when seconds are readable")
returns 2:52:48
